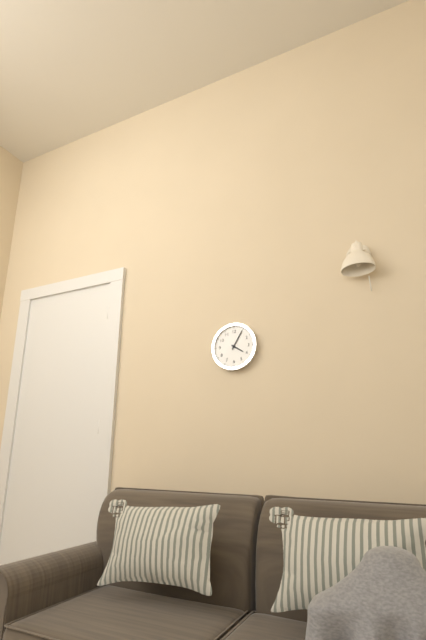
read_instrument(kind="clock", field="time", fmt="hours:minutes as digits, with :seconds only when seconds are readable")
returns 4:05
